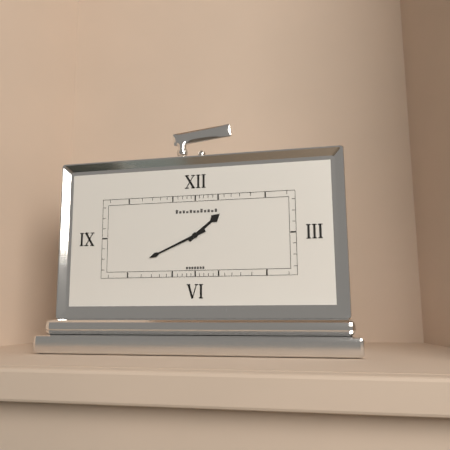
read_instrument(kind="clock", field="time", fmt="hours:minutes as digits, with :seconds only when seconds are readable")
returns 1:41
